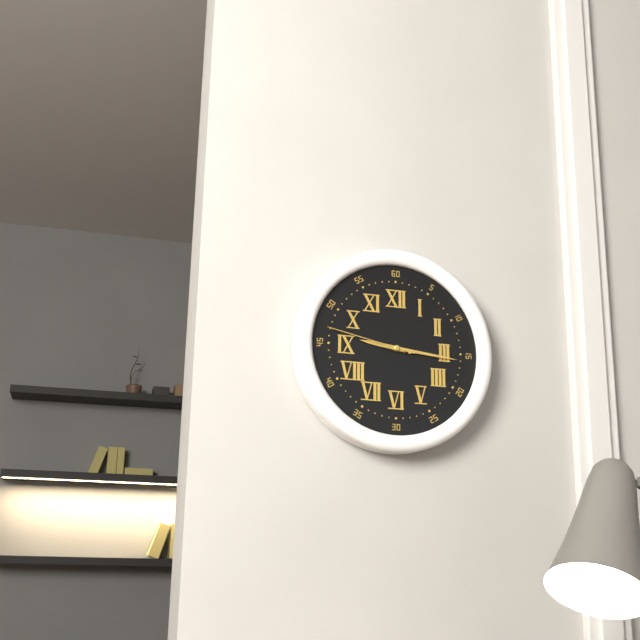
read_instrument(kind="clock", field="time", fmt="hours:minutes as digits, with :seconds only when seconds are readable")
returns 9:16:47
